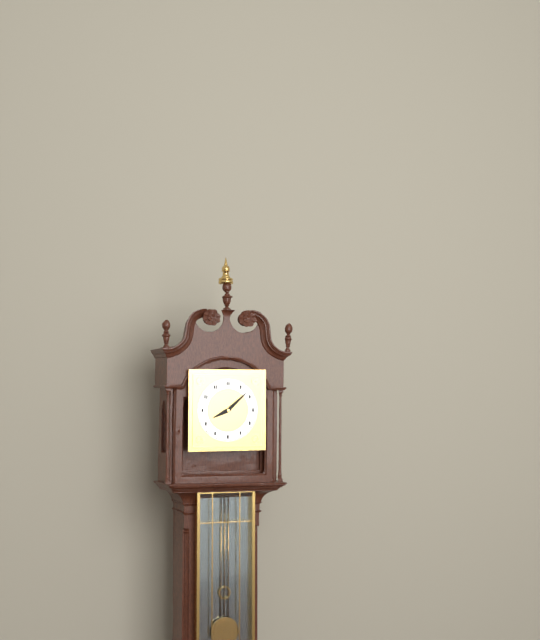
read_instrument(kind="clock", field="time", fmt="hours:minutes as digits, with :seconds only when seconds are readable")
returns 8:08
